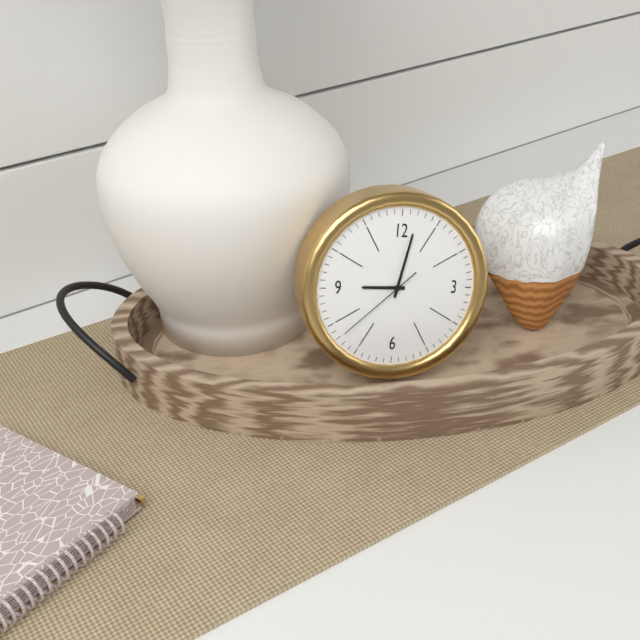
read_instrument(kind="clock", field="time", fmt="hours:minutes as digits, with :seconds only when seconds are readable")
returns 9:02:38
